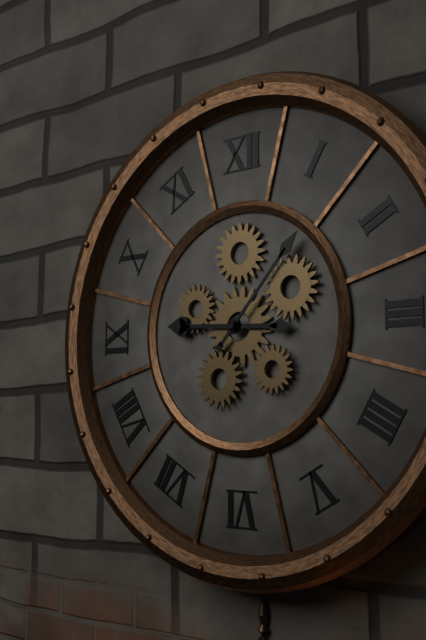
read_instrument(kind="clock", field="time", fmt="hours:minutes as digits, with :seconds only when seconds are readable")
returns 9:07
